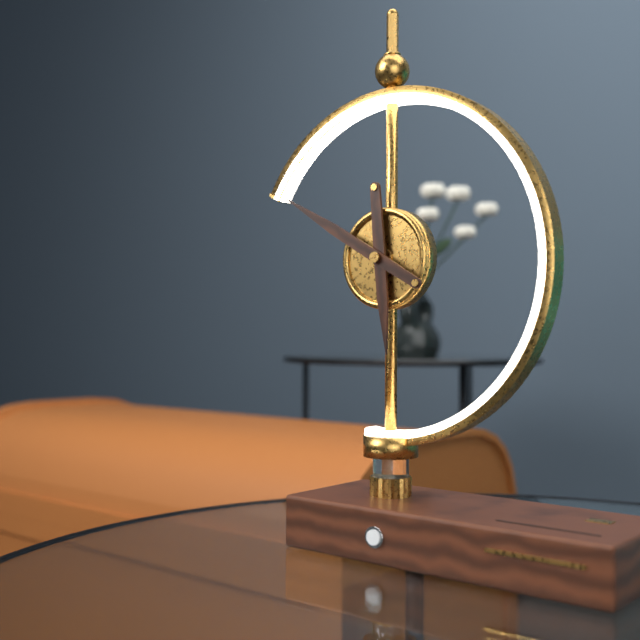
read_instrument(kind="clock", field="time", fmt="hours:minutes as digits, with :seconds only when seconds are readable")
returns 5:50
